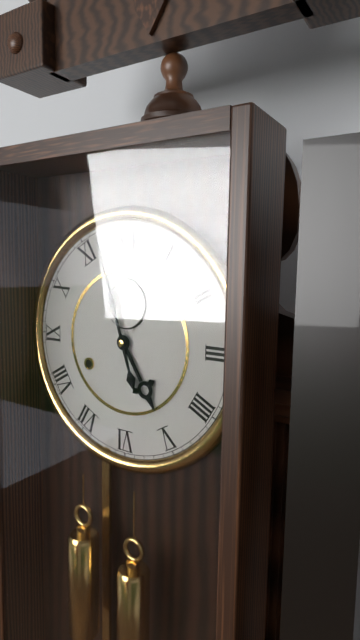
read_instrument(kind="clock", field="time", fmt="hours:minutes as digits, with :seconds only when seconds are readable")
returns 4:57
